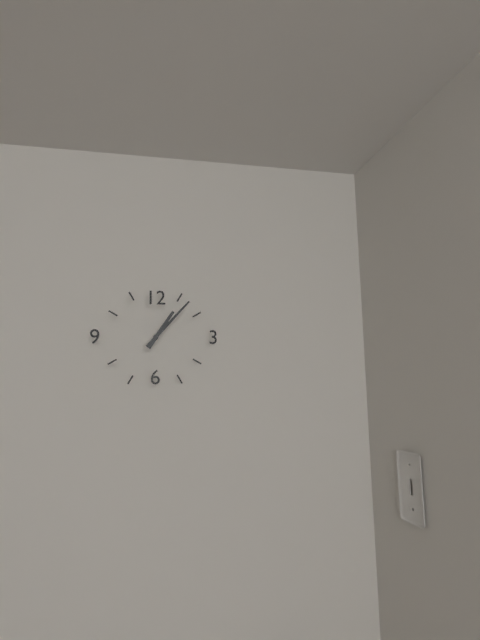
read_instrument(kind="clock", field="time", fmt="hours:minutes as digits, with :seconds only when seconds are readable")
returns 1:07
